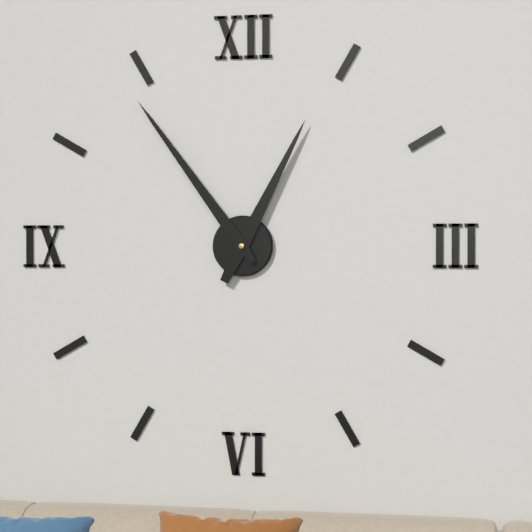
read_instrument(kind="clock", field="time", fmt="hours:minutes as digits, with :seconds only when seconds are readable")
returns 12:54
